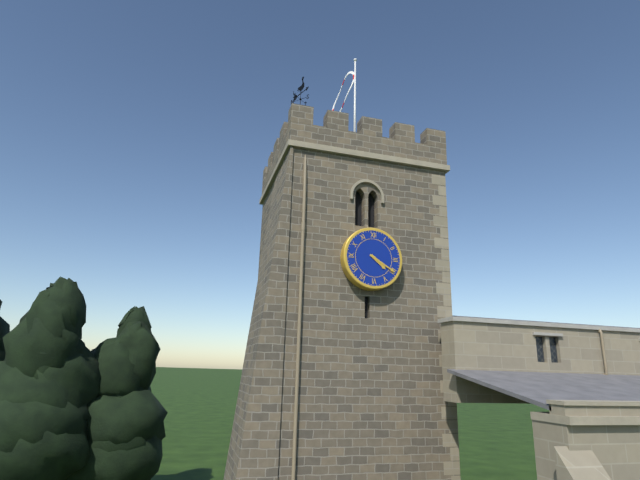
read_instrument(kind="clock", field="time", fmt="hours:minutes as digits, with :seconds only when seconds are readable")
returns 4:20
